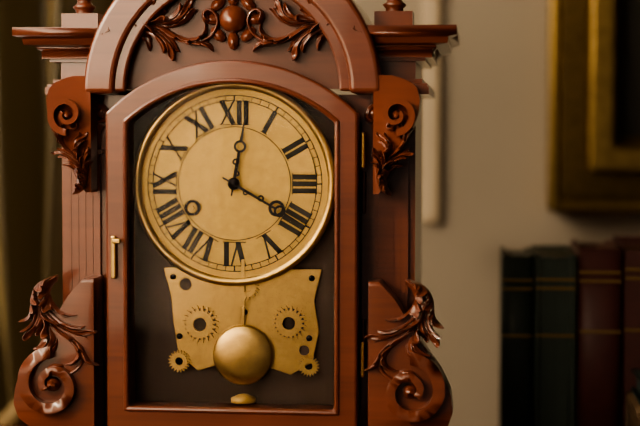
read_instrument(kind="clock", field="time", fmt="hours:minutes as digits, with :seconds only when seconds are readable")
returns 12:20
